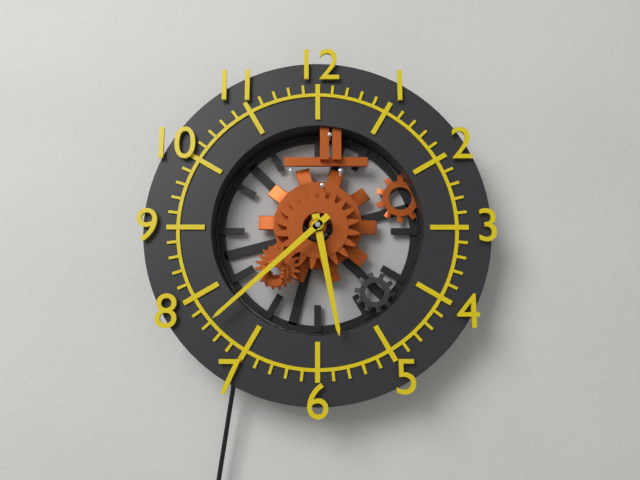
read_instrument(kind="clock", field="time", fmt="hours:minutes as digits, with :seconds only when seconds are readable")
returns 5:38
